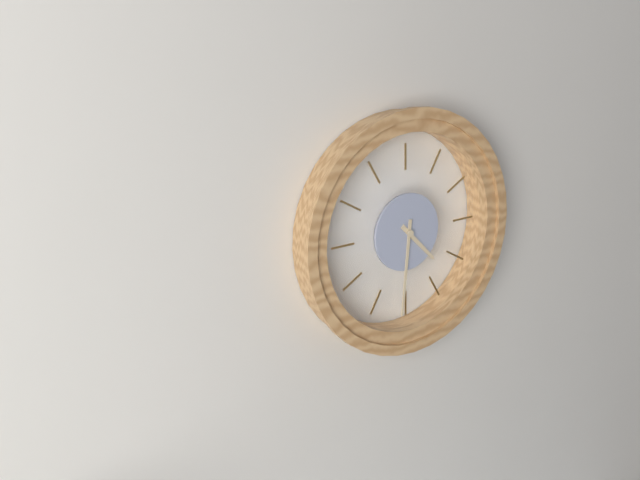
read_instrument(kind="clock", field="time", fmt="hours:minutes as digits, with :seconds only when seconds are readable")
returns 4:31
